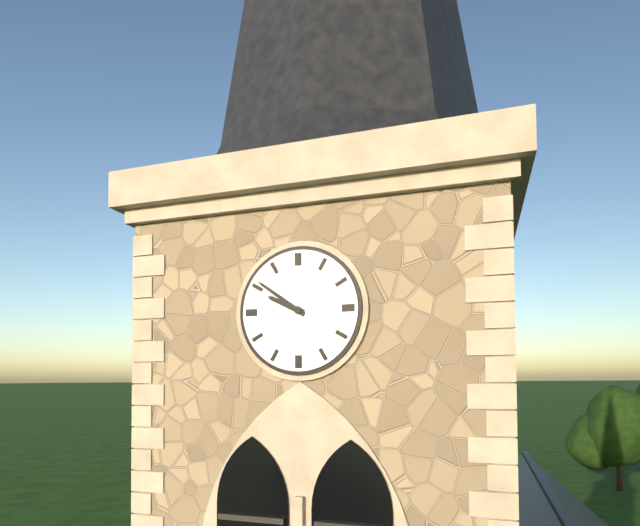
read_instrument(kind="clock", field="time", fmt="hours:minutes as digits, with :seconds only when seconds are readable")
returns 9:51
